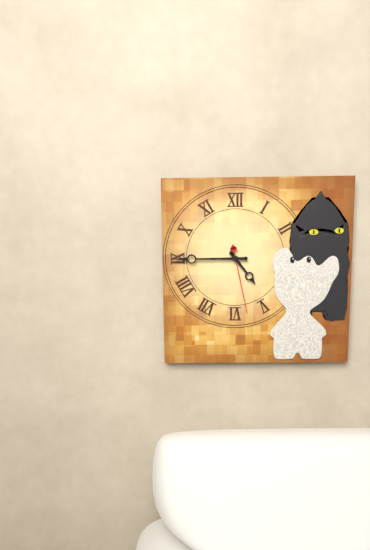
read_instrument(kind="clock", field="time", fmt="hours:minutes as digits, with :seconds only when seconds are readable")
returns 4:45:28
